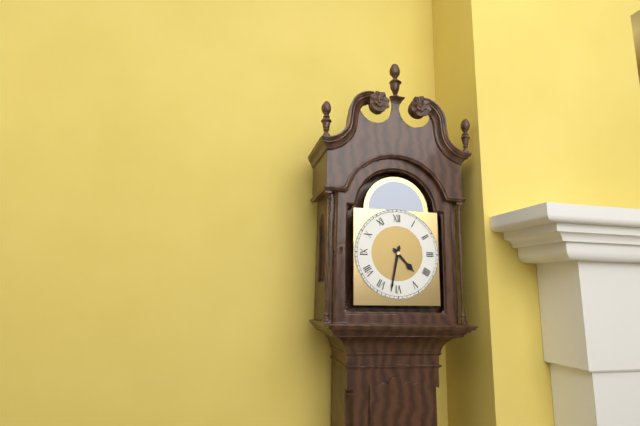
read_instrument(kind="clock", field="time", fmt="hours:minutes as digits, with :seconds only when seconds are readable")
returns 4:32
